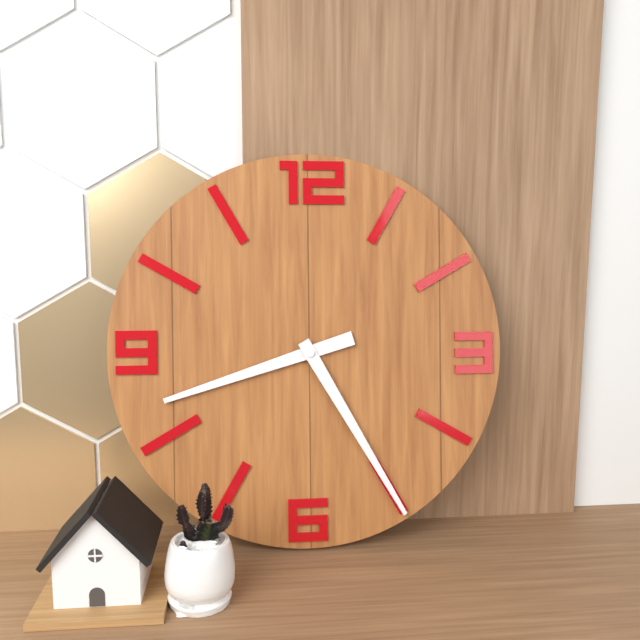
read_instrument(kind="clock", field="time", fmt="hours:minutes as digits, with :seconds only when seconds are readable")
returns 8:25
